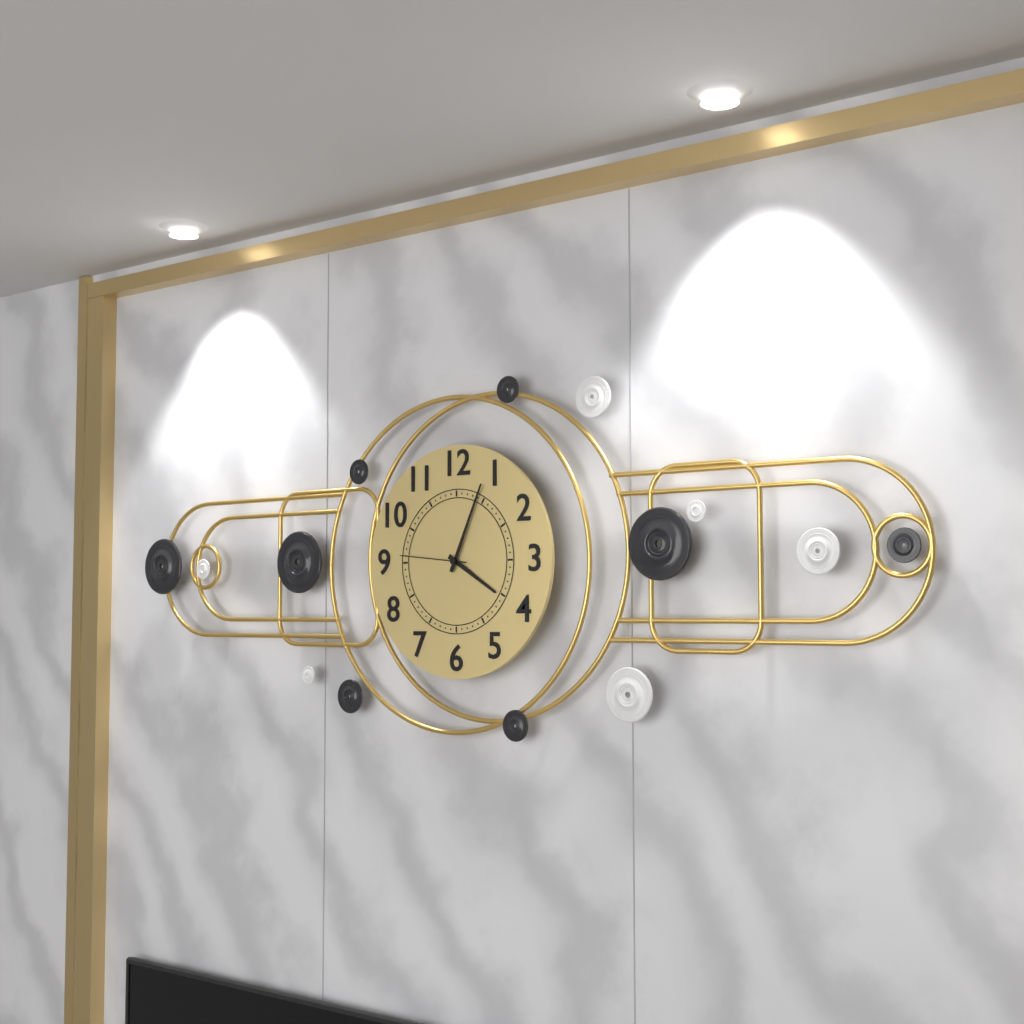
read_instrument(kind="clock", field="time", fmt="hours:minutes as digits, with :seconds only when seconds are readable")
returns 4:04:46
